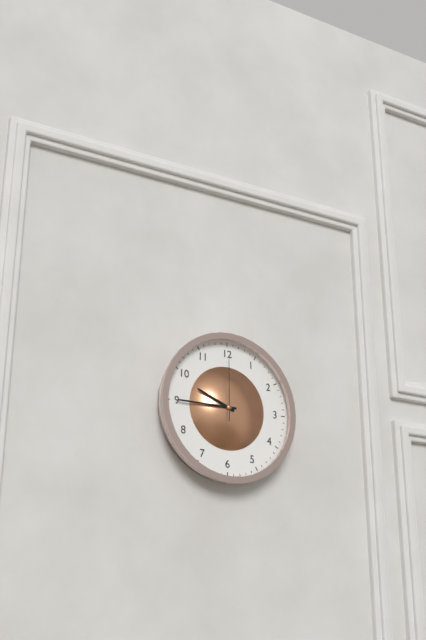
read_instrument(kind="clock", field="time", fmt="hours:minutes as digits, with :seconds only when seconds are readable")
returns 9:45:00
